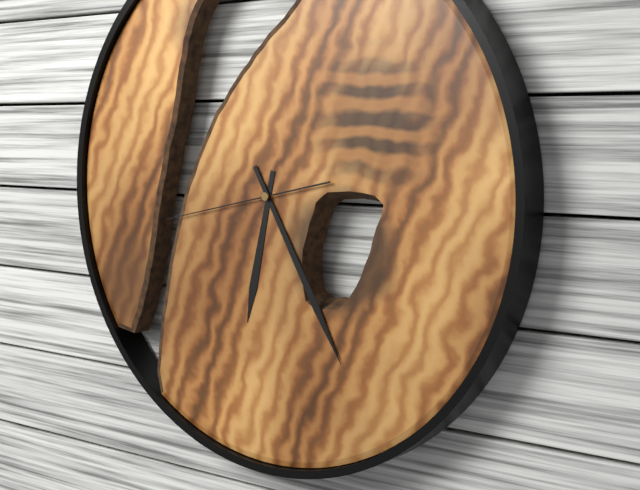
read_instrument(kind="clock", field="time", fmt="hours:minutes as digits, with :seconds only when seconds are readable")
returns 6:25:43
